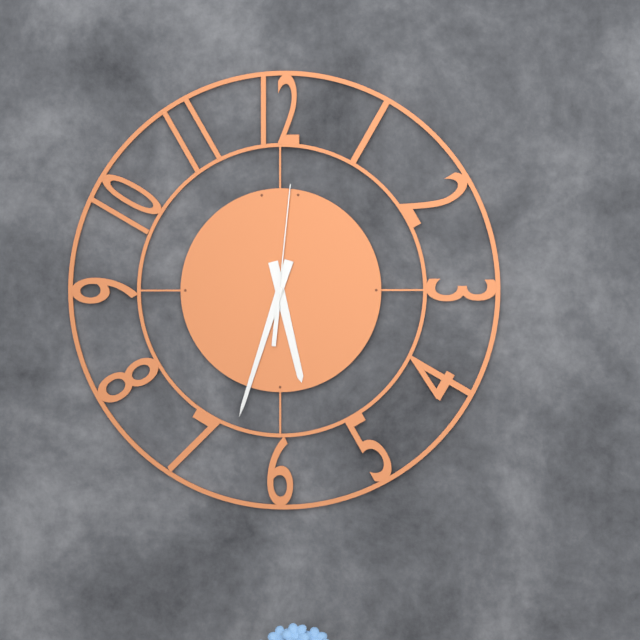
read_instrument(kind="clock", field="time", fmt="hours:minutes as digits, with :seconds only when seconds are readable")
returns 5:33:01
